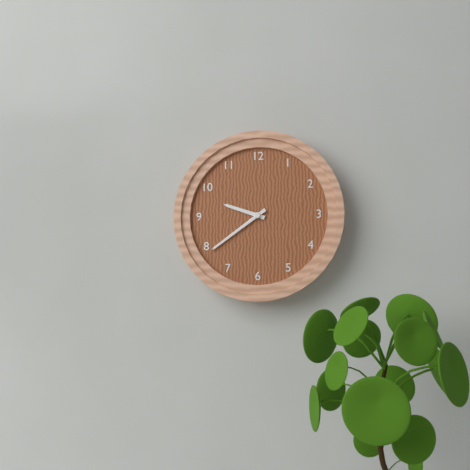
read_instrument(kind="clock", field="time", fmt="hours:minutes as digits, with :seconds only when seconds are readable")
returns 9:39
